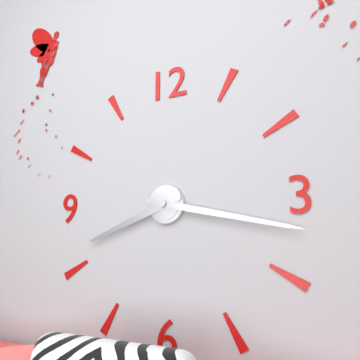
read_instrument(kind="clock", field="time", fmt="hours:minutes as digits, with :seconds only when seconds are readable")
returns 8:17
